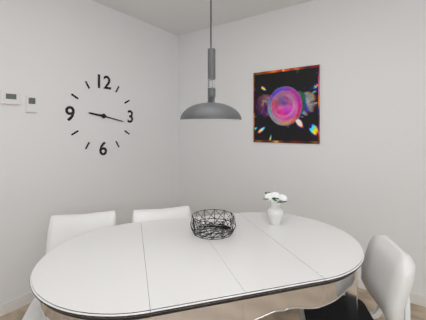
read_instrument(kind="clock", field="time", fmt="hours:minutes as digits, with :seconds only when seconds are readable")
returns 9:17
